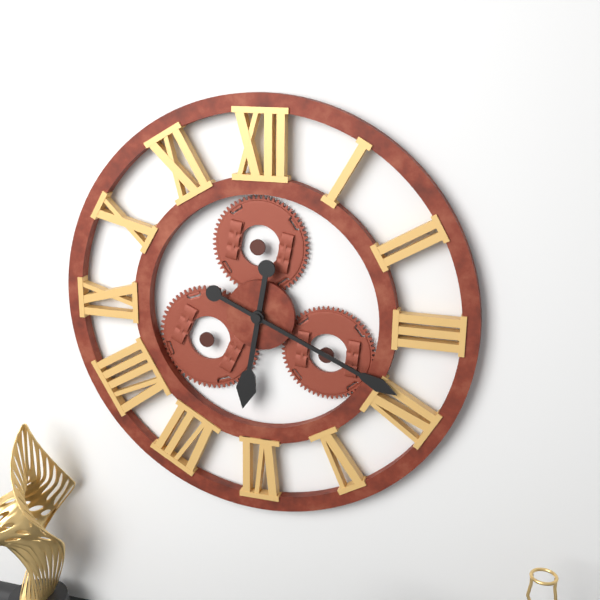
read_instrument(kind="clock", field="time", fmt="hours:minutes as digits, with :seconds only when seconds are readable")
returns 6:19
